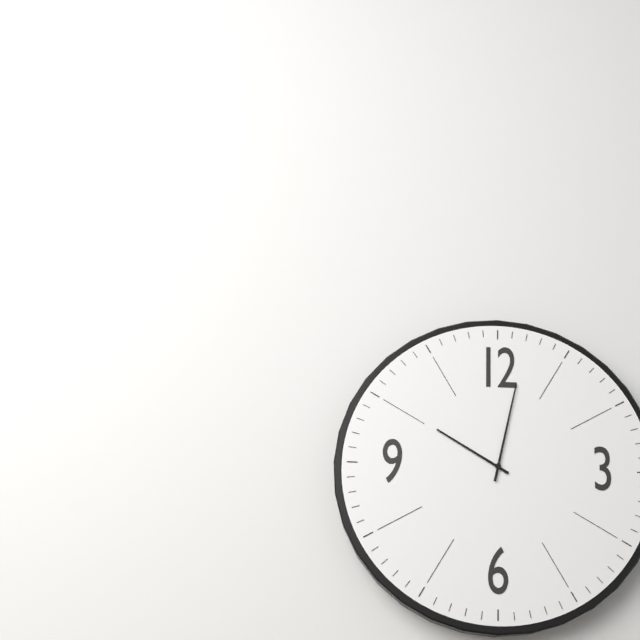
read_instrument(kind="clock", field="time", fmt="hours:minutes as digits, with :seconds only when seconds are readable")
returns 10:02
